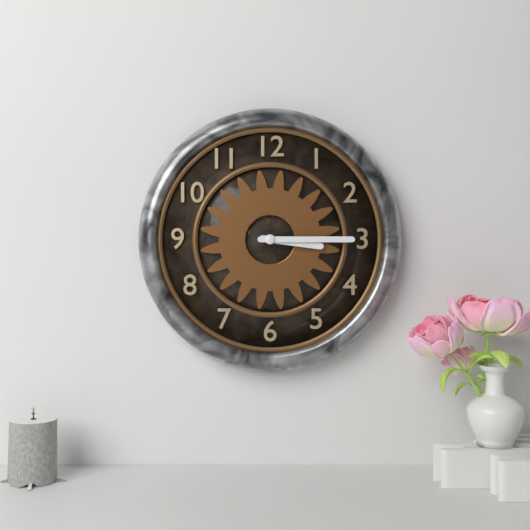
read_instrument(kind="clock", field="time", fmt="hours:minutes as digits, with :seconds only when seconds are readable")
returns 3:15
